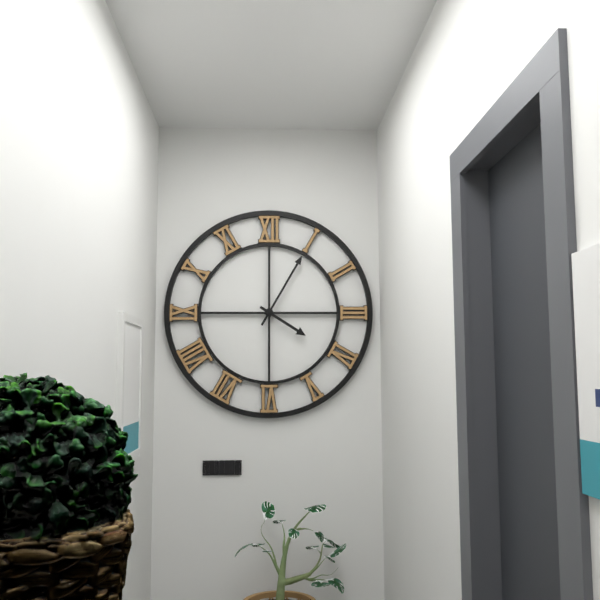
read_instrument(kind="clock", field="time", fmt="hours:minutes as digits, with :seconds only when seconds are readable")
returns 4:05
